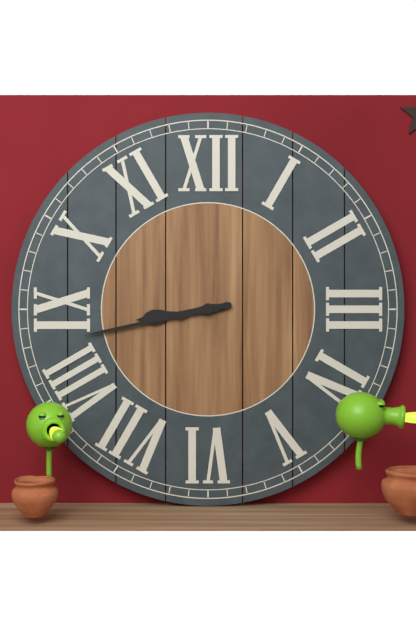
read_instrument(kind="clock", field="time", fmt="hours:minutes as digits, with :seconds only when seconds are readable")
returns 8:43
